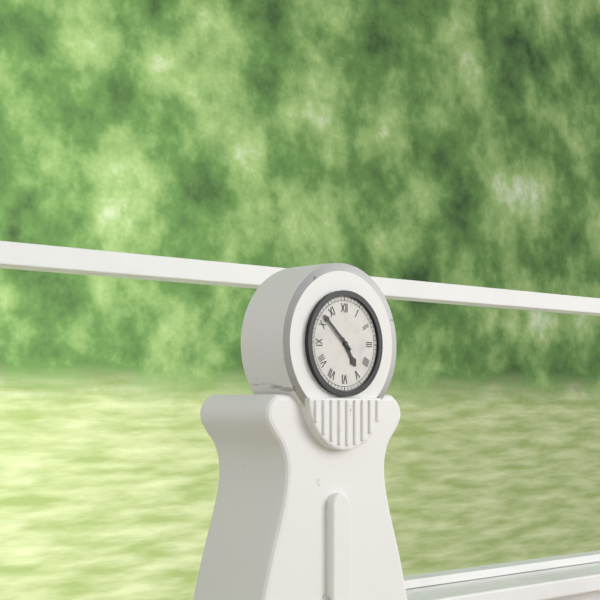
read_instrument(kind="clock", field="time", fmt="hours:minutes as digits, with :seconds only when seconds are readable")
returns 4:52
